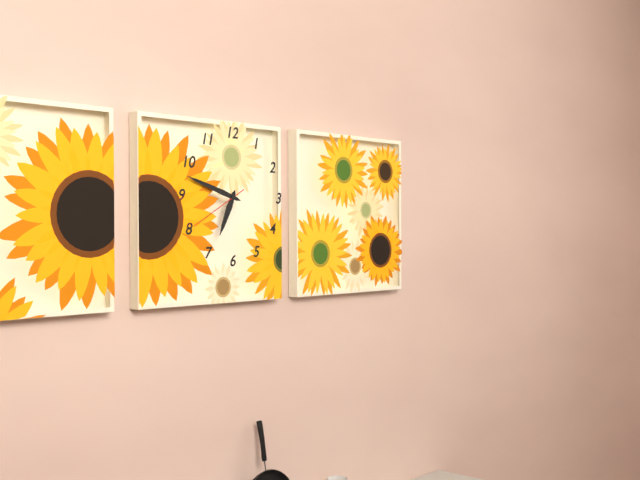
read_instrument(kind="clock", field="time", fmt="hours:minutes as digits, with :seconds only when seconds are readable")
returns 6:48:40
